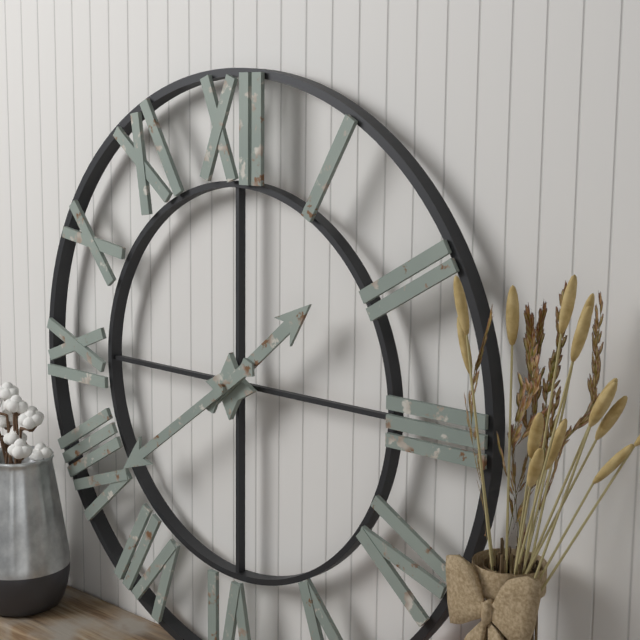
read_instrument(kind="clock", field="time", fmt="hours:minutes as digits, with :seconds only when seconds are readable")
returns 1:39
